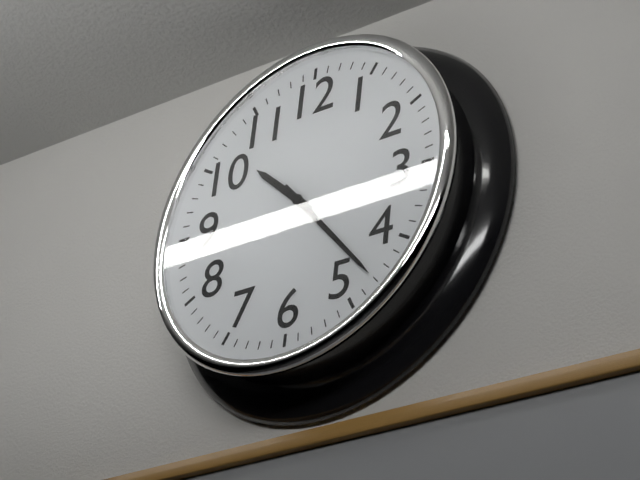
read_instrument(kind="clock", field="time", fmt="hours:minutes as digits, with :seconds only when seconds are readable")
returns 10:23
